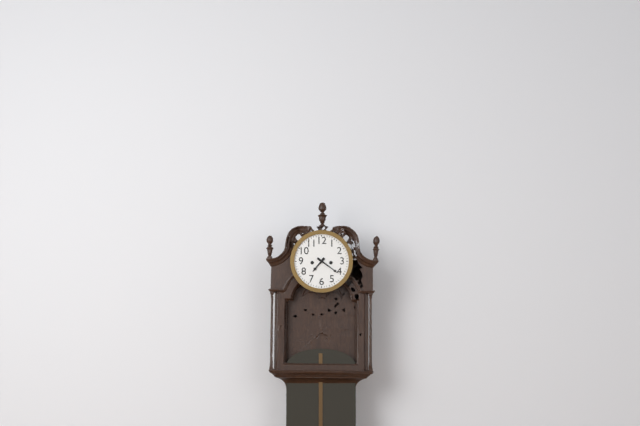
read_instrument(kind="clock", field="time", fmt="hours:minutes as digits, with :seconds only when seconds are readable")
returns 7:21
